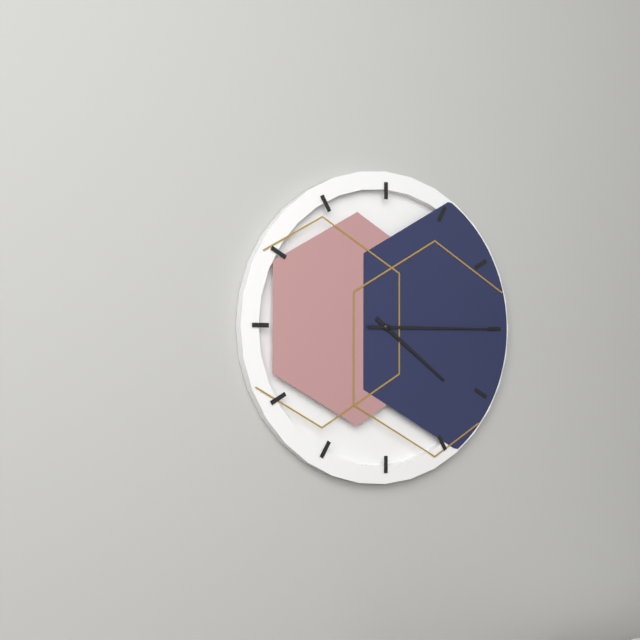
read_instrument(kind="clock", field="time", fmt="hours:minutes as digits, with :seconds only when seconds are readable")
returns 4:15
